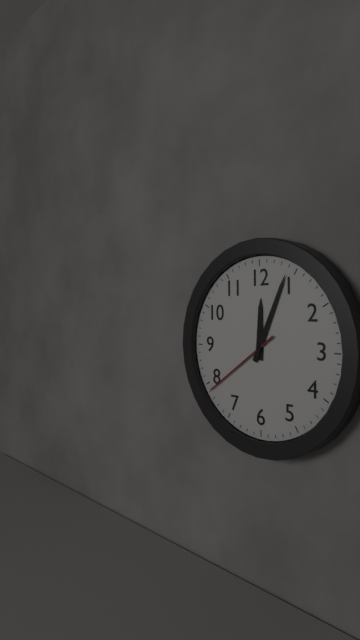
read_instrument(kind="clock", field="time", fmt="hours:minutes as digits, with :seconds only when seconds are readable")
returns 12:04:39
